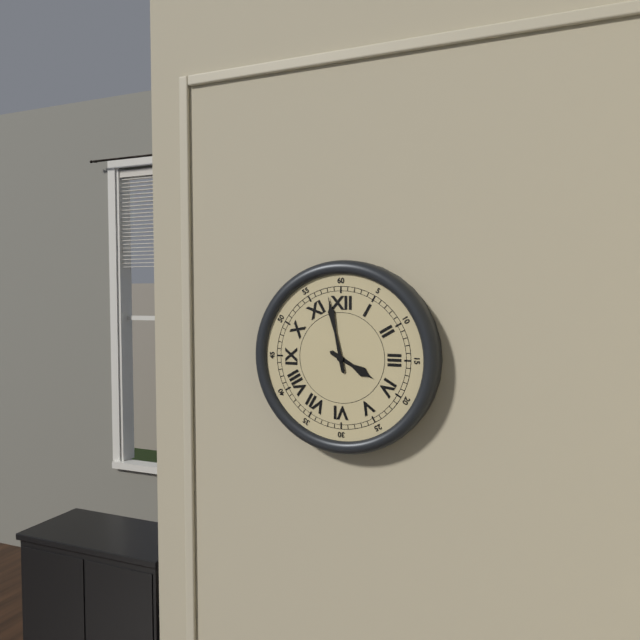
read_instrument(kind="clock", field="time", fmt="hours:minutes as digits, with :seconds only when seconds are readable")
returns 3:58
